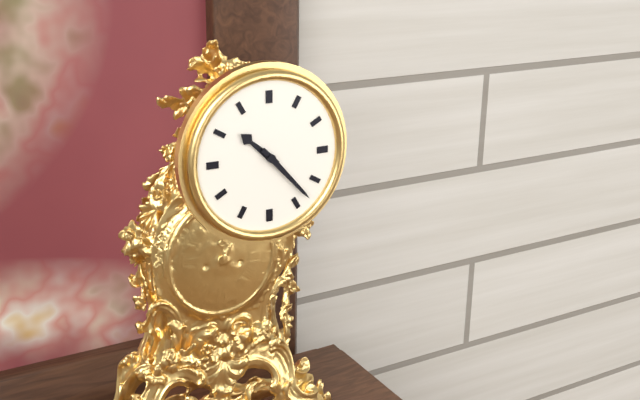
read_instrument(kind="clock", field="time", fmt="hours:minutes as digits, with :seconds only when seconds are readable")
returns 10:23
